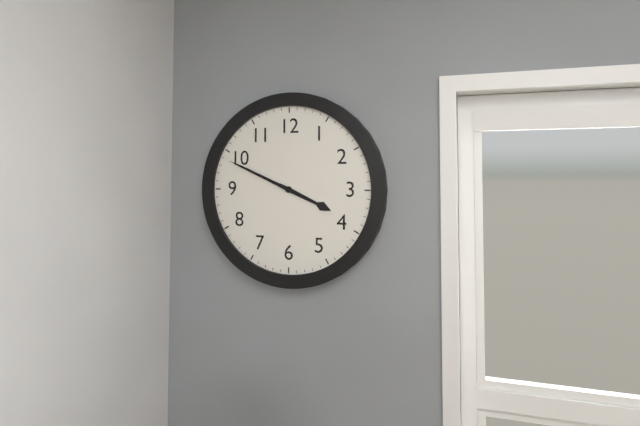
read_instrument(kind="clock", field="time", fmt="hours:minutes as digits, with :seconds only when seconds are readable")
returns 3:49
